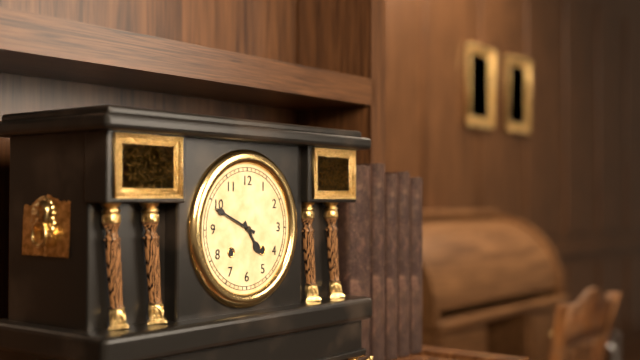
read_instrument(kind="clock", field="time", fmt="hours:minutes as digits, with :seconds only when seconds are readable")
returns 4:49
